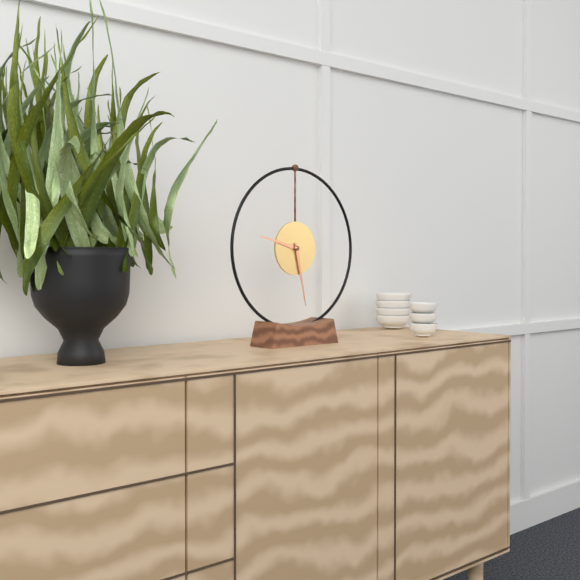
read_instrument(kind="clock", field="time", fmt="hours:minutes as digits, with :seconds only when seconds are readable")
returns 9:28
